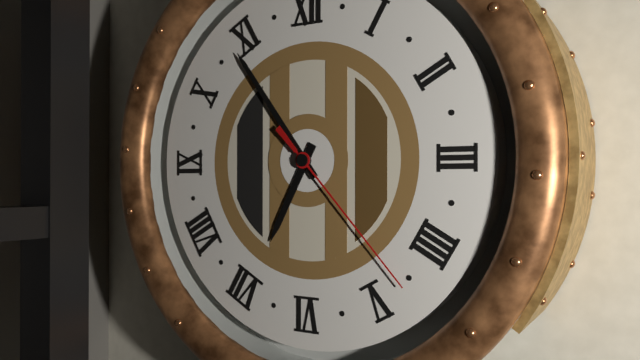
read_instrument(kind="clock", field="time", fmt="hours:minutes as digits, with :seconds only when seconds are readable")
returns 6:54:23
